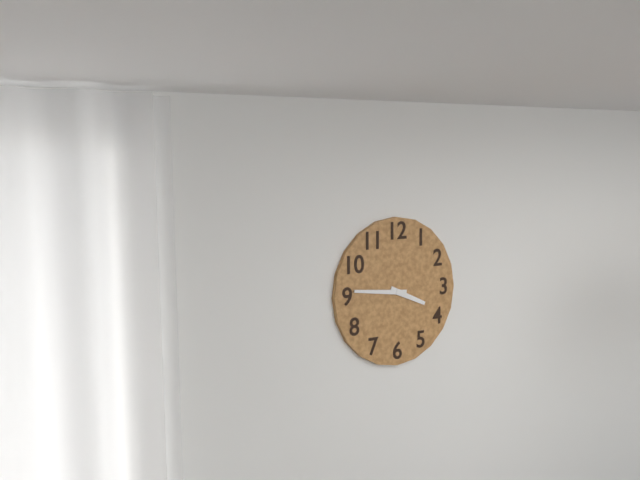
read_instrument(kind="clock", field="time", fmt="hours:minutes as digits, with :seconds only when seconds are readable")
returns 3:46
